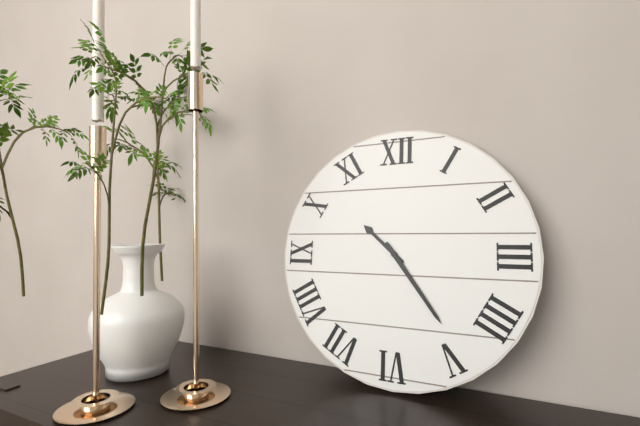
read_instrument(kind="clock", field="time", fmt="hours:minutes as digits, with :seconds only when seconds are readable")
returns 10:24
